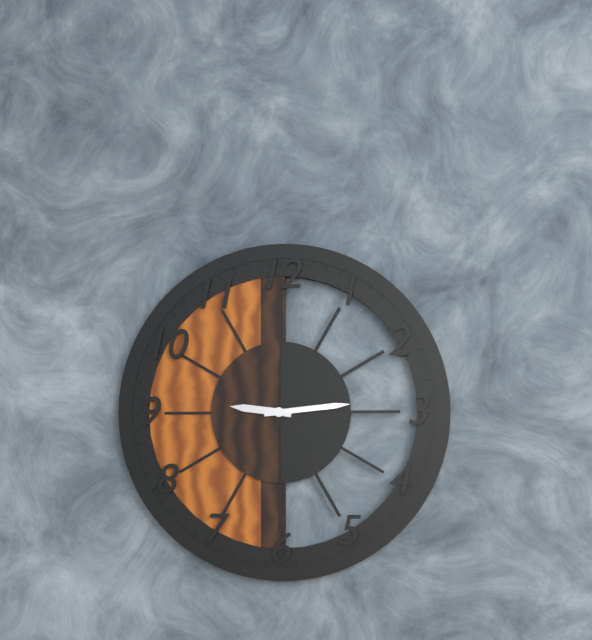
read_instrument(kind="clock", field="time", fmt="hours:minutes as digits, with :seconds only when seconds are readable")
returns 9:14
